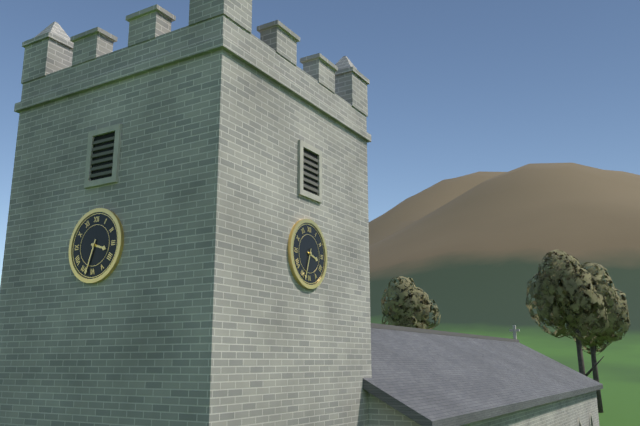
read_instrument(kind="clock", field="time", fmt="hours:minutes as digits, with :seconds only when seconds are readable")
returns 3:33
